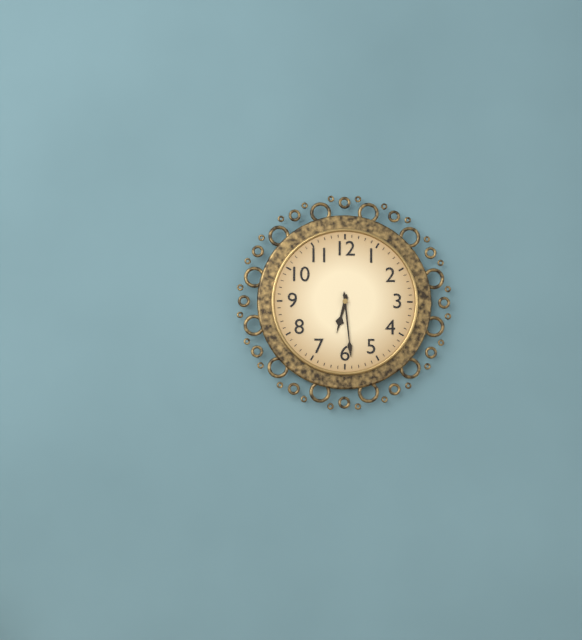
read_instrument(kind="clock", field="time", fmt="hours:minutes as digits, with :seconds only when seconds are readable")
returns 6:29
